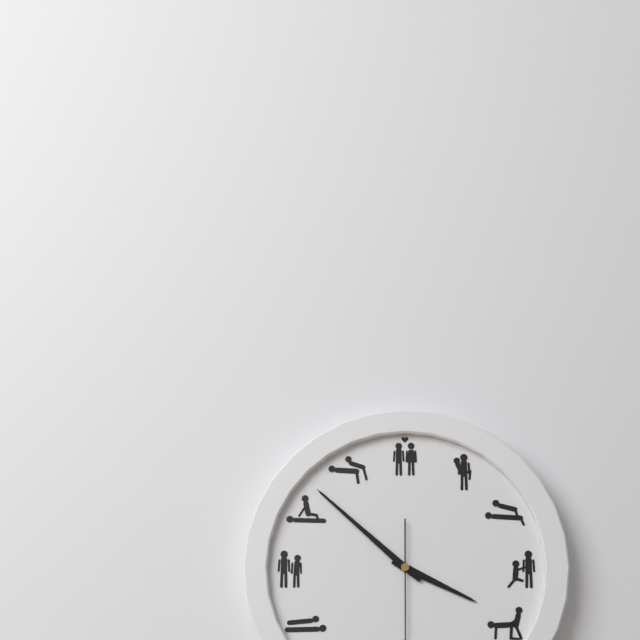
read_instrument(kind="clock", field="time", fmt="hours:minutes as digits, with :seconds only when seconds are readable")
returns 3:52
